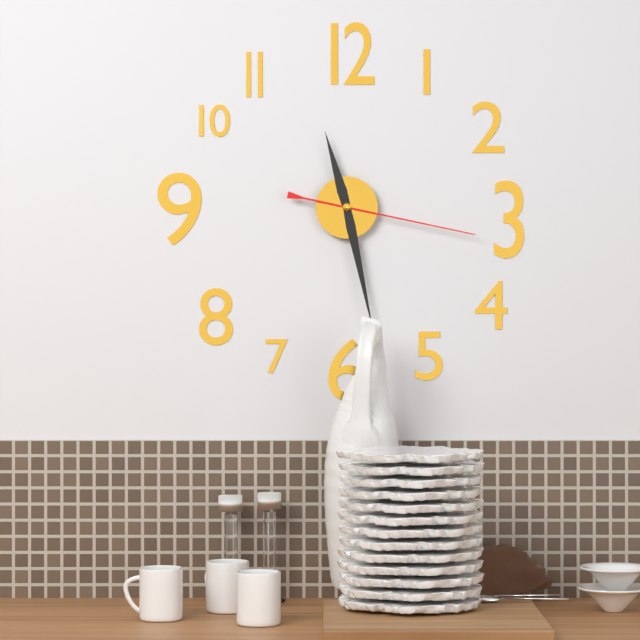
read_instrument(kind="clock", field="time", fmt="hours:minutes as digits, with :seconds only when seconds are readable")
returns 11:28:17
